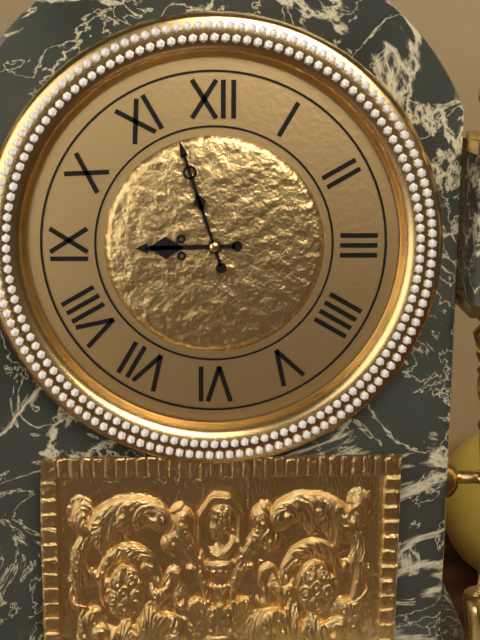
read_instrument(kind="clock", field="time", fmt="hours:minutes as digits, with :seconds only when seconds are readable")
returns 8:57
